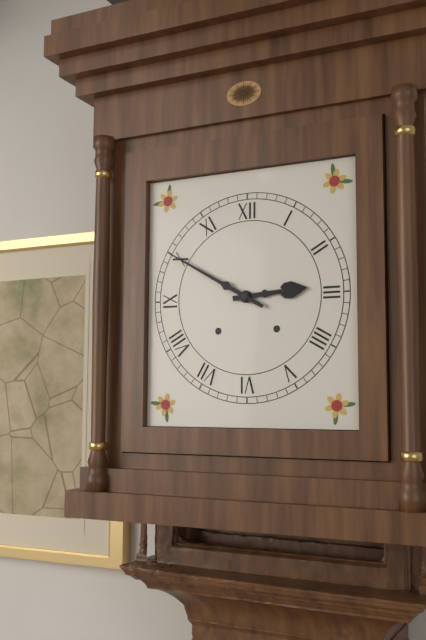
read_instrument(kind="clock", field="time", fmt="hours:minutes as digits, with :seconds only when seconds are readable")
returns 2:50
